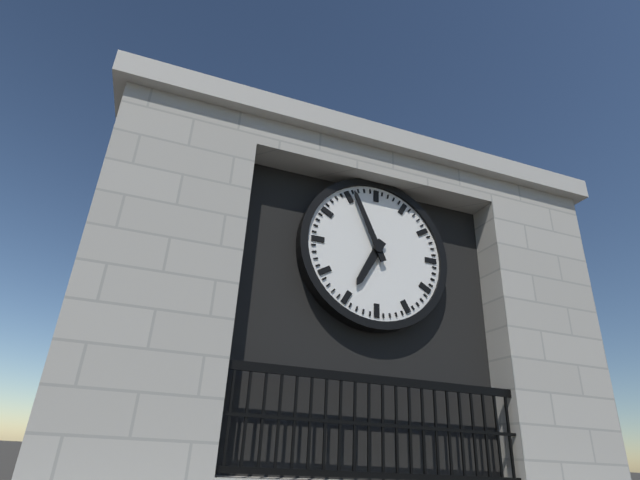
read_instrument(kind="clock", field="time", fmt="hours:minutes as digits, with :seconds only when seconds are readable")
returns 6:56
